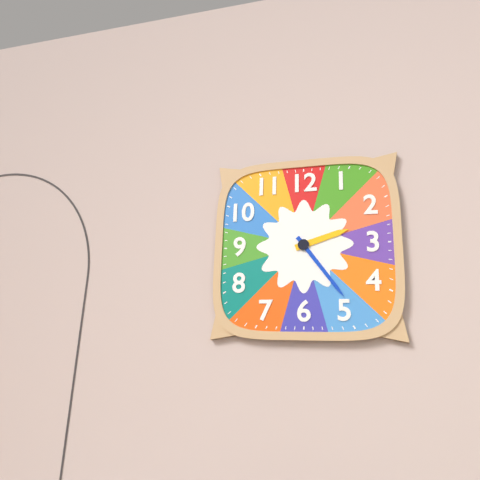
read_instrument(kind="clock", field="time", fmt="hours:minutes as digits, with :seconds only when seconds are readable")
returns 2:24
